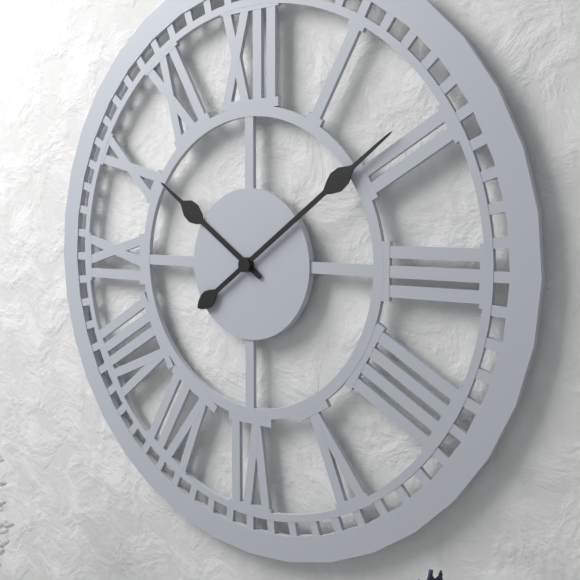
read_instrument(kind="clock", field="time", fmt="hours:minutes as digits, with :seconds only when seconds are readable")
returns 10:09
